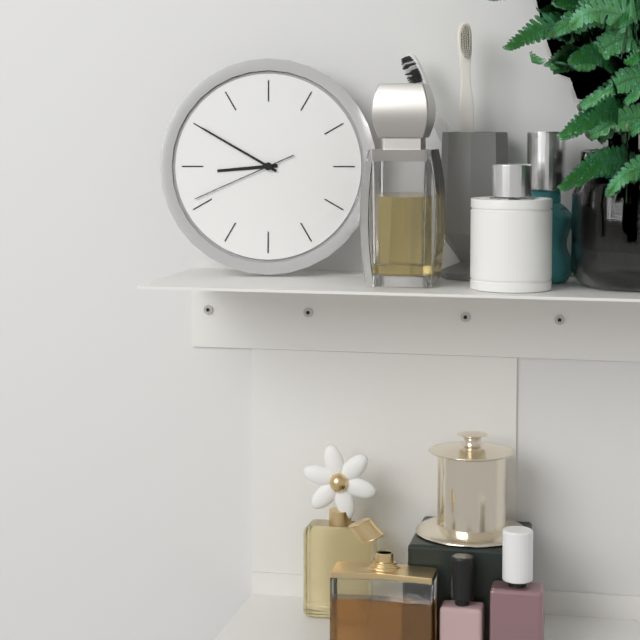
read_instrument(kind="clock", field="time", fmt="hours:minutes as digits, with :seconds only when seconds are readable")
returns 8:50:41
